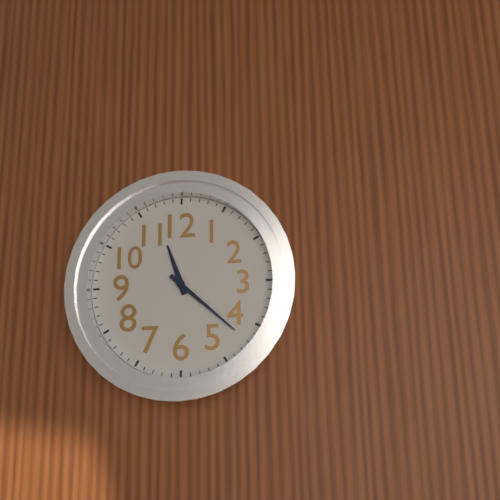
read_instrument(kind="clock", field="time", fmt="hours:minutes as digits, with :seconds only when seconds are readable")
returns 11:22
